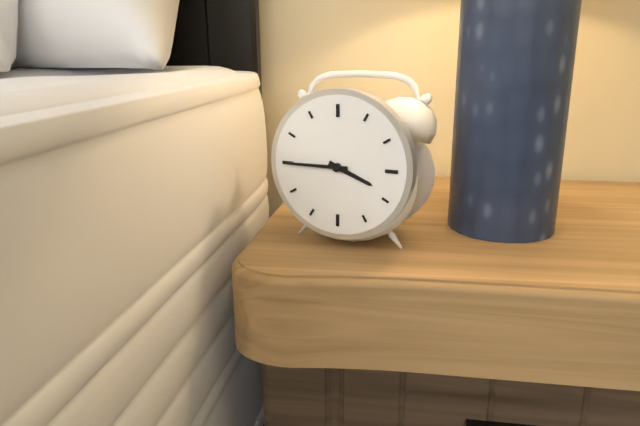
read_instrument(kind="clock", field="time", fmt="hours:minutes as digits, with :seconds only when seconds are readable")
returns 3:45
